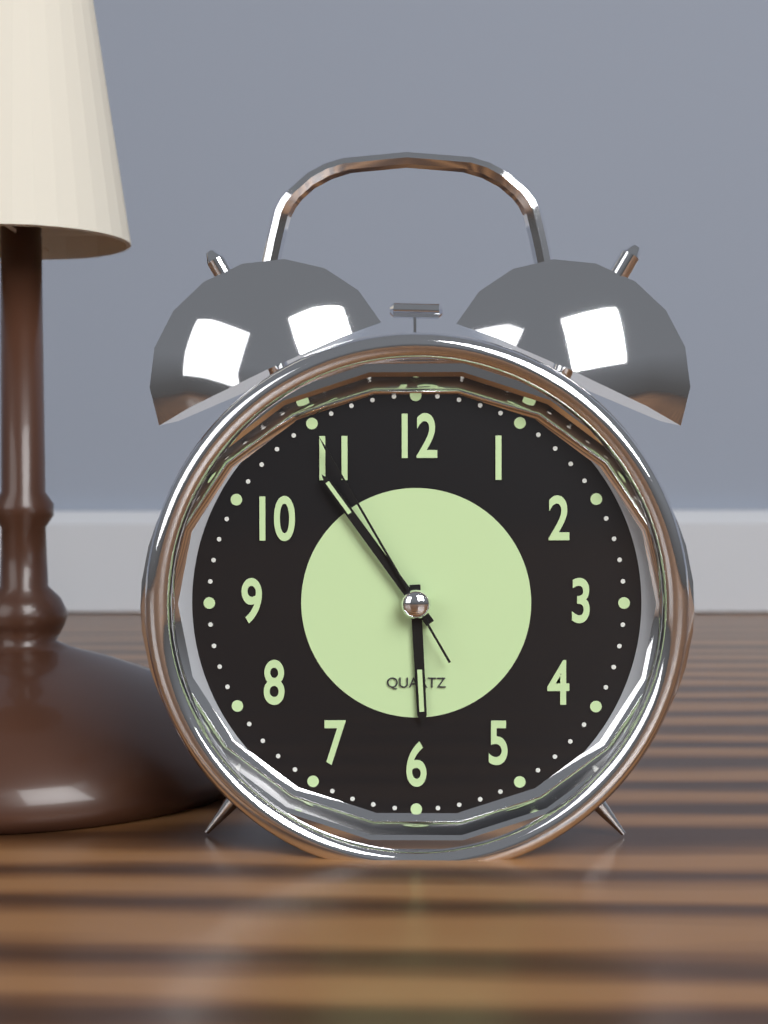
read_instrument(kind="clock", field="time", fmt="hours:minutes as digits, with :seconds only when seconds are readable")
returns 5:54:55
